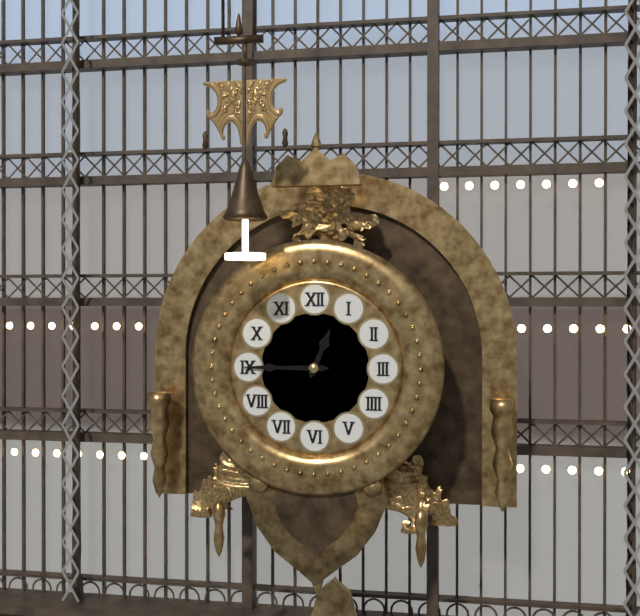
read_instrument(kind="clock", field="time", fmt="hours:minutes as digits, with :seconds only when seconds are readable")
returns 12:45
